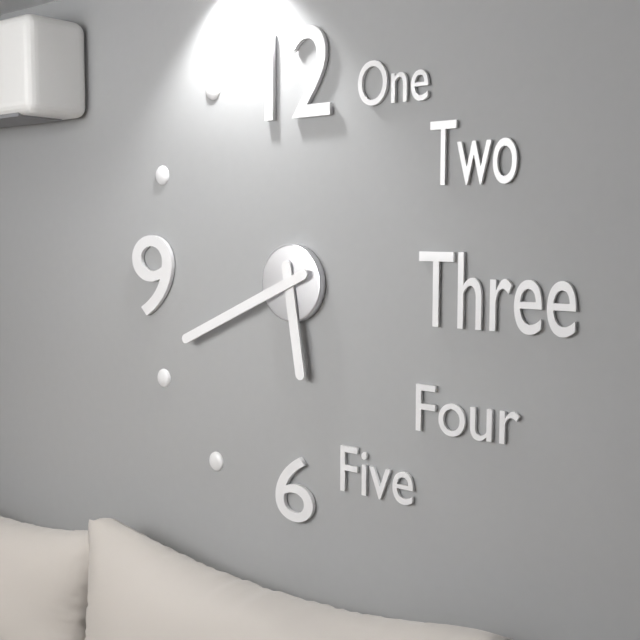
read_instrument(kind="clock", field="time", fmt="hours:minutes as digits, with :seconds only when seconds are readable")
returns 5:41
